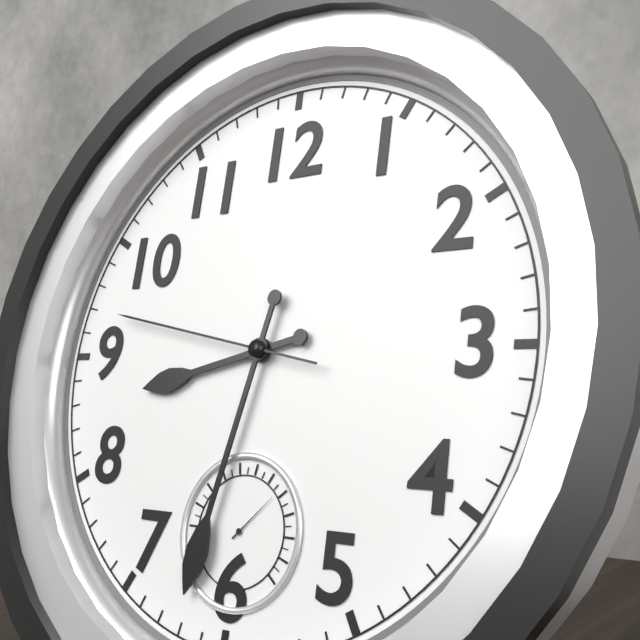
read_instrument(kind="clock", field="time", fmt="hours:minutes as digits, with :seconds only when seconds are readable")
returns 8:32:47
